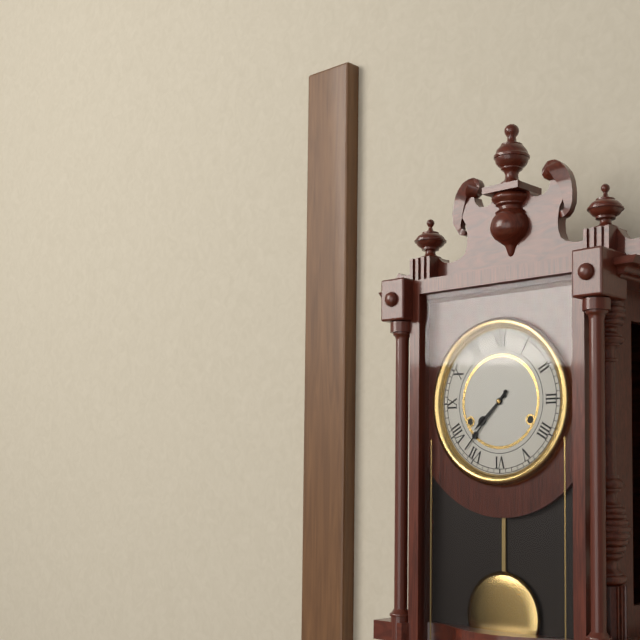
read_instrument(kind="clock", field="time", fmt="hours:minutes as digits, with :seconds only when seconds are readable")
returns 7:37
